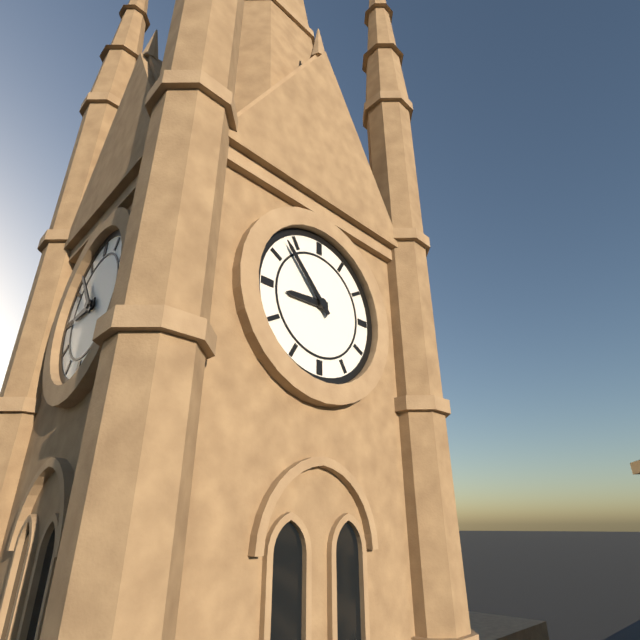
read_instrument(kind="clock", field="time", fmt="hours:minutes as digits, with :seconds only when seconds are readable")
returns 8:53
